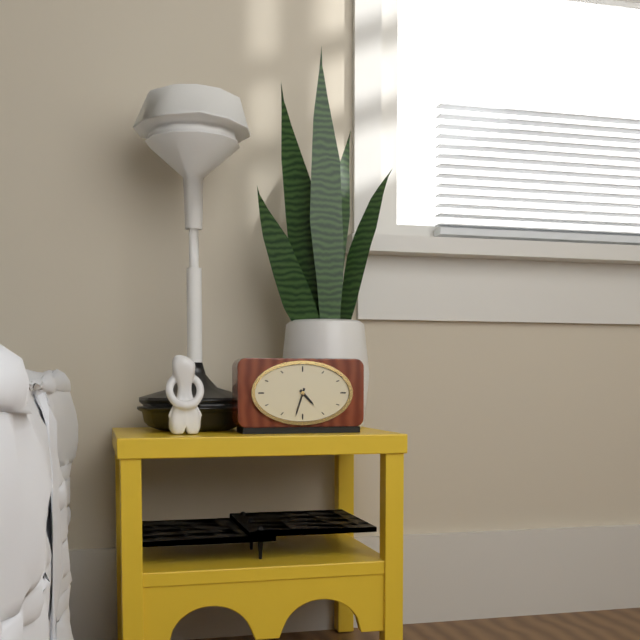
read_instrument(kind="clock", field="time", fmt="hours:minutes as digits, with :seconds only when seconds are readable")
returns 4:33
